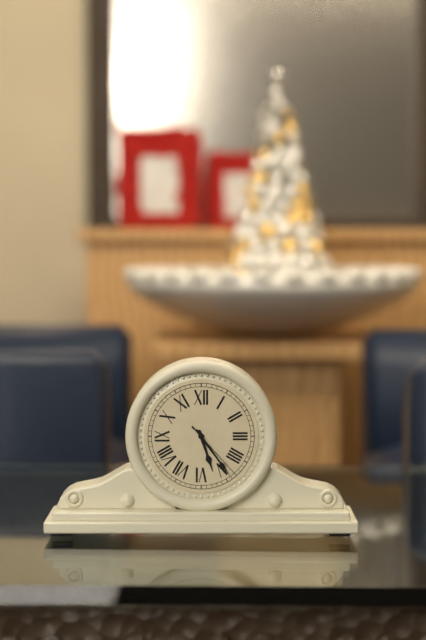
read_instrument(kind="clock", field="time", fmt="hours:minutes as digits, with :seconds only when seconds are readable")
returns 5:24:23
